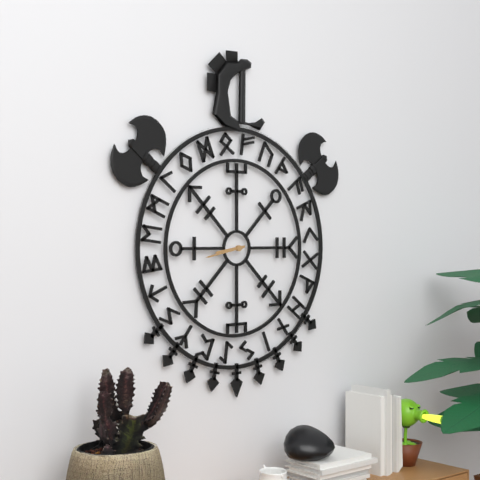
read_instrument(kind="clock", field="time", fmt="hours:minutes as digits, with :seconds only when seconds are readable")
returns 8:43
